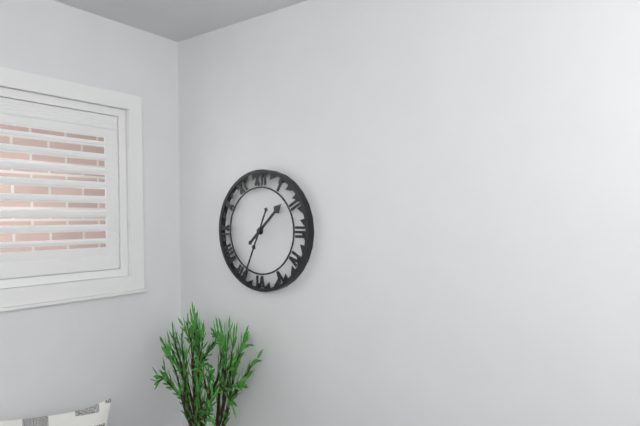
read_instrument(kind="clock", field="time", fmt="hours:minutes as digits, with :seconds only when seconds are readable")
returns 1:34
